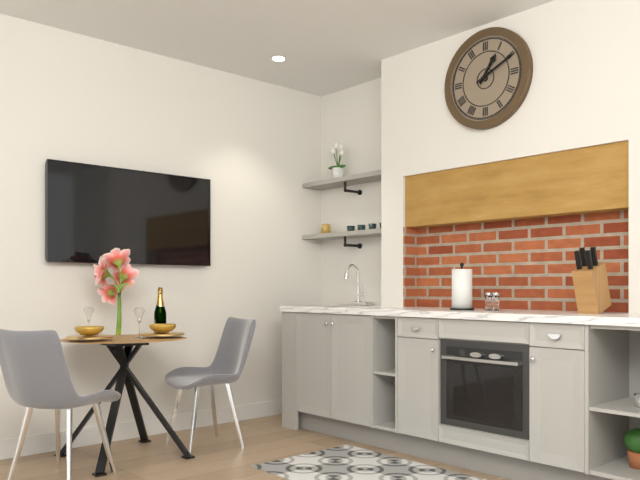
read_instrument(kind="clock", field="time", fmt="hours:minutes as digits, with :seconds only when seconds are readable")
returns 1:11
